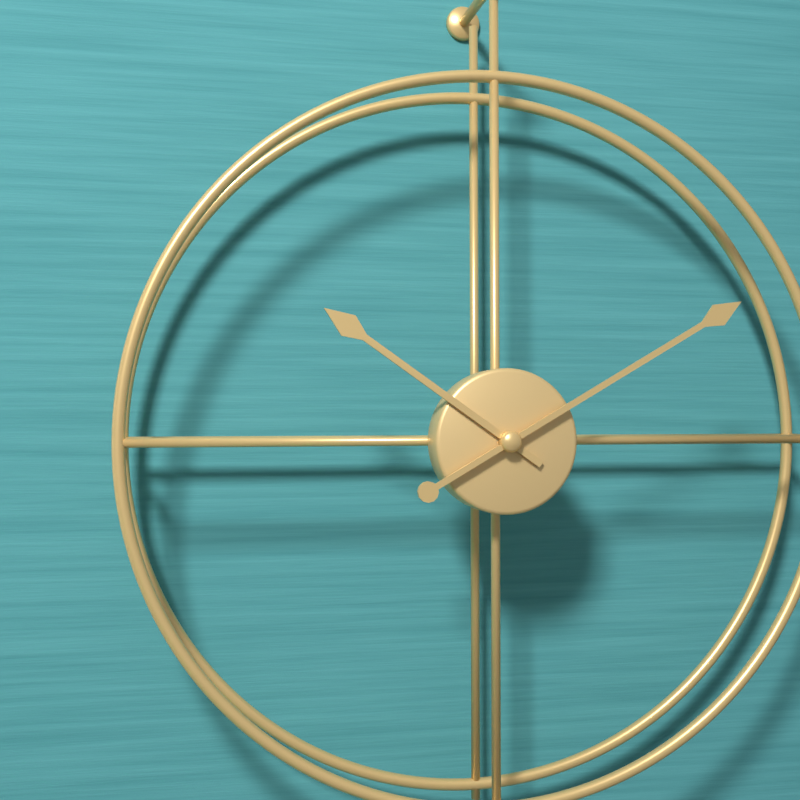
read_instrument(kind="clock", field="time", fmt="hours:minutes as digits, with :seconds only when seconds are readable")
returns 10:10
